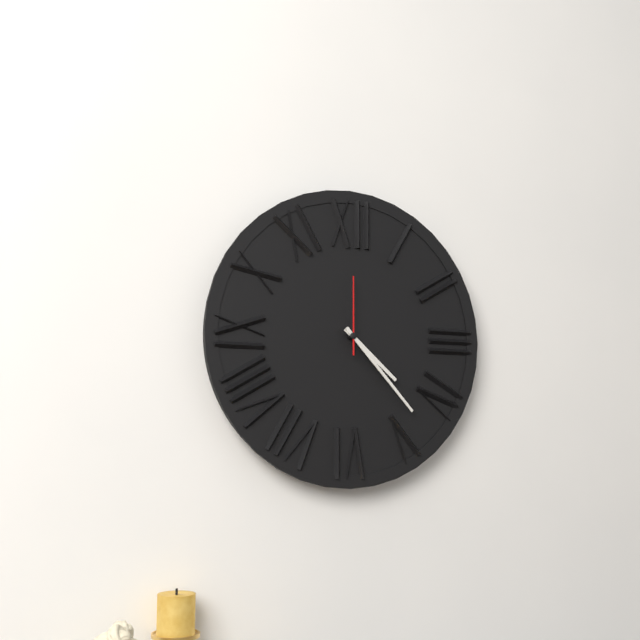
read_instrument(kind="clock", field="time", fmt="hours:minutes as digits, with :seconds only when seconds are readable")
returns 4:23:00
